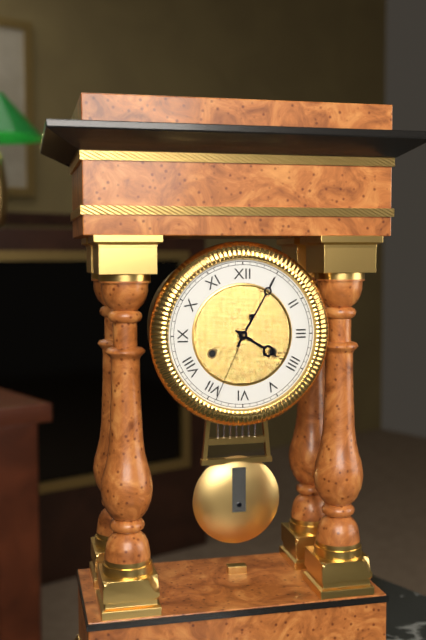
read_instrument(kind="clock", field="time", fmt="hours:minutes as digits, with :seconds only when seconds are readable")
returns 4:05:34
